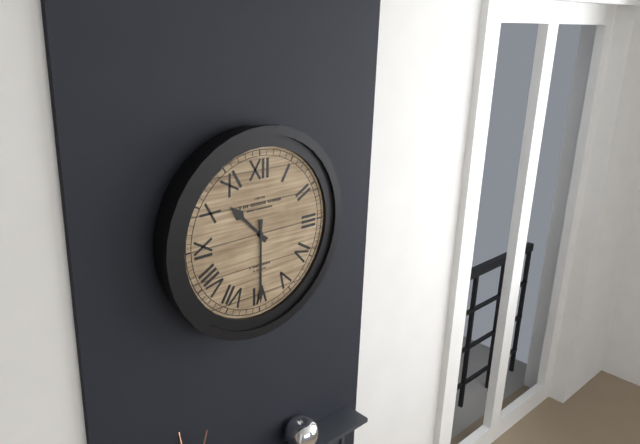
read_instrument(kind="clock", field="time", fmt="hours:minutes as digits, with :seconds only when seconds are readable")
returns 10:30
